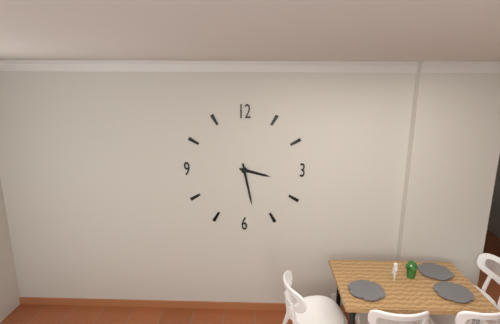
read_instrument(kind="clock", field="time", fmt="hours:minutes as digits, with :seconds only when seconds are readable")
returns 3:28
